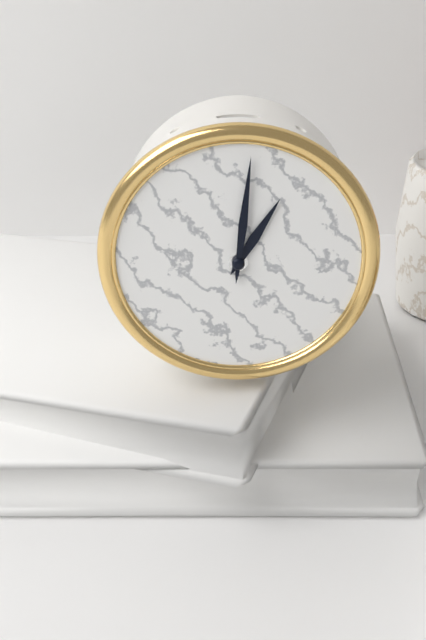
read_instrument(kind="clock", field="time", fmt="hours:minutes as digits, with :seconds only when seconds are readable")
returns 1:01
